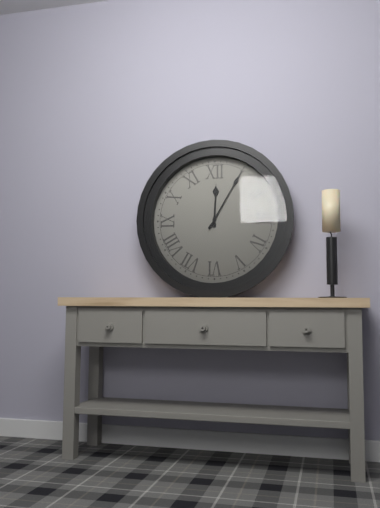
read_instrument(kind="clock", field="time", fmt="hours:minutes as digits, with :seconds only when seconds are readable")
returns 12:05
